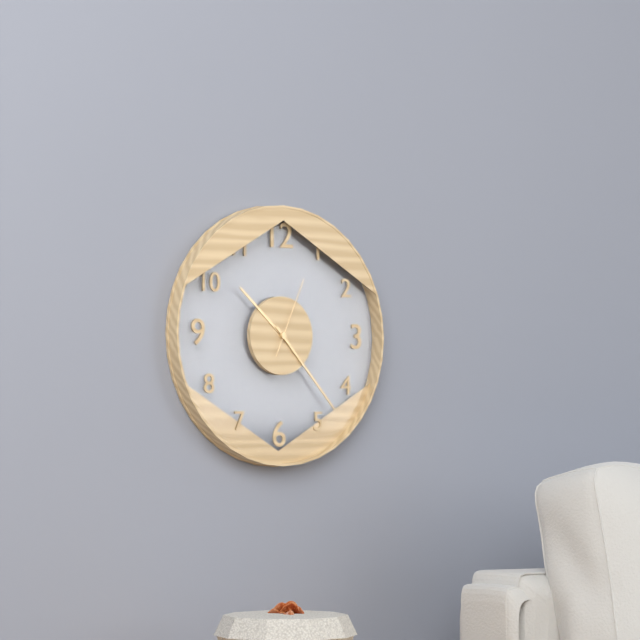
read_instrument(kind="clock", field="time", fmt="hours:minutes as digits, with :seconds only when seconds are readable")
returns 10:23:04
